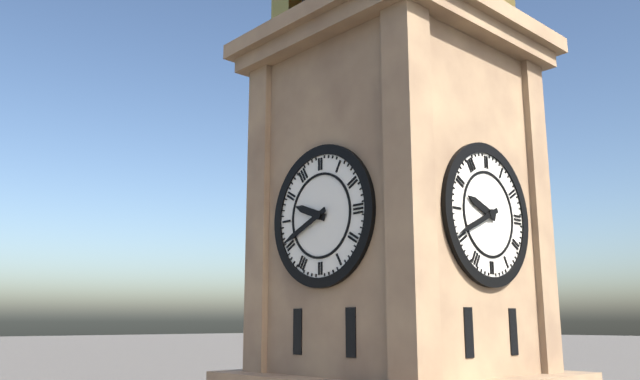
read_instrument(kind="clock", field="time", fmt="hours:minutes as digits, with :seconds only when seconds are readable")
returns 9:41
